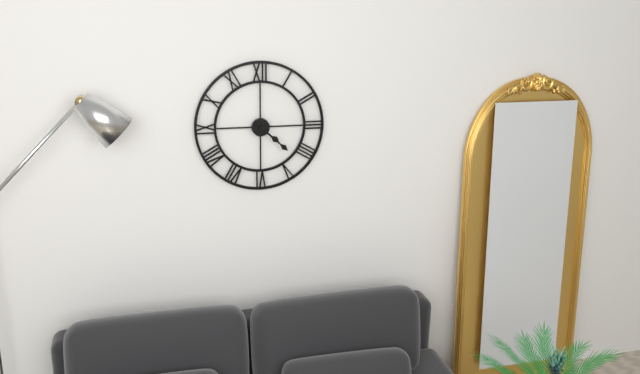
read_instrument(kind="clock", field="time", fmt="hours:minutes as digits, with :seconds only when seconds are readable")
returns 4:22
